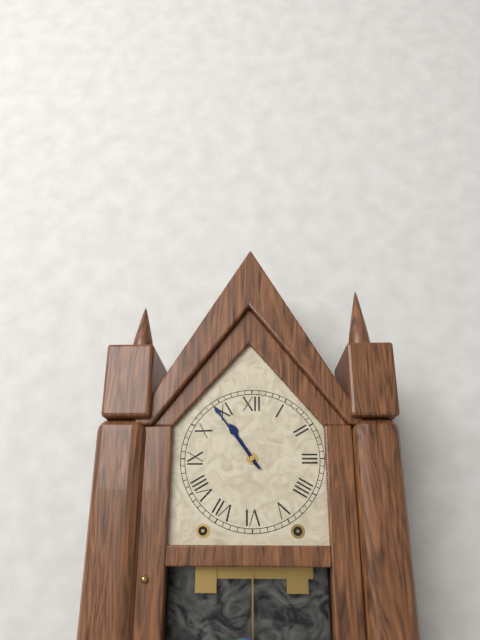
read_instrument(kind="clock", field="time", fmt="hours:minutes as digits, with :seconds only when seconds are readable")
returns 10:54
